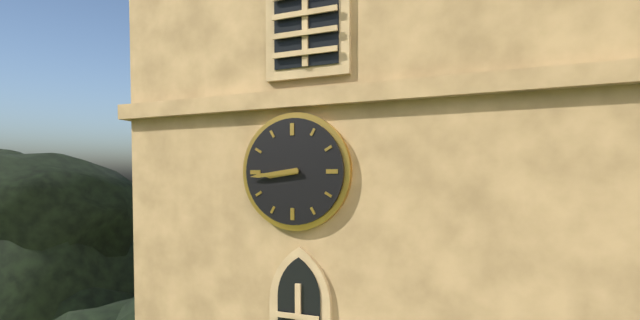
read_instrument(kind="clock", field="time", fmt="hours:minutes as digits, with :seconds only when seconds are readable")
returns 8:44
